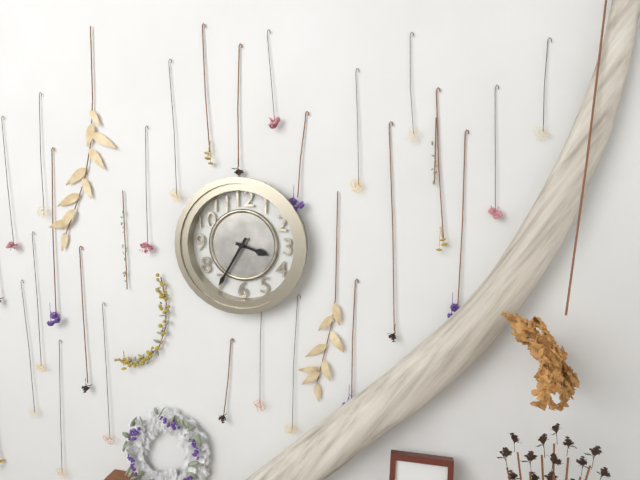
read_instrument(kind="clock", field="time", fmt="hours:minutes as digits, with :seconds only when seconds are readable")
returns 3:35
